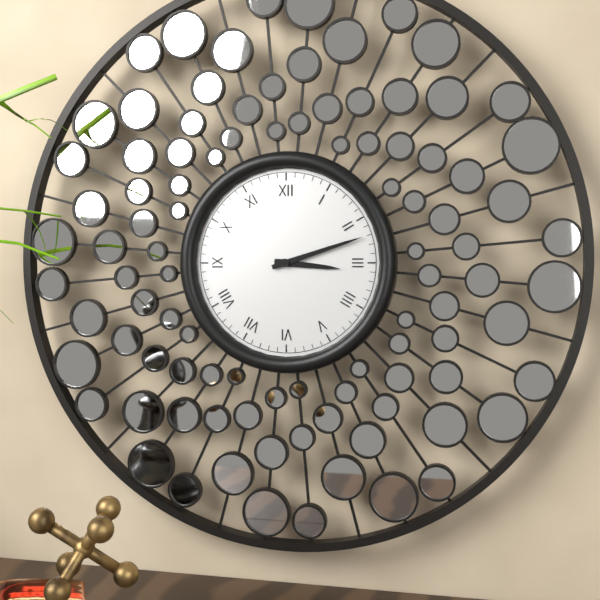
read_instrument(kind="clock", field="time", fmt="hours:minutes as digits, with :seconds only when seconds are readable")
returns 3:12
